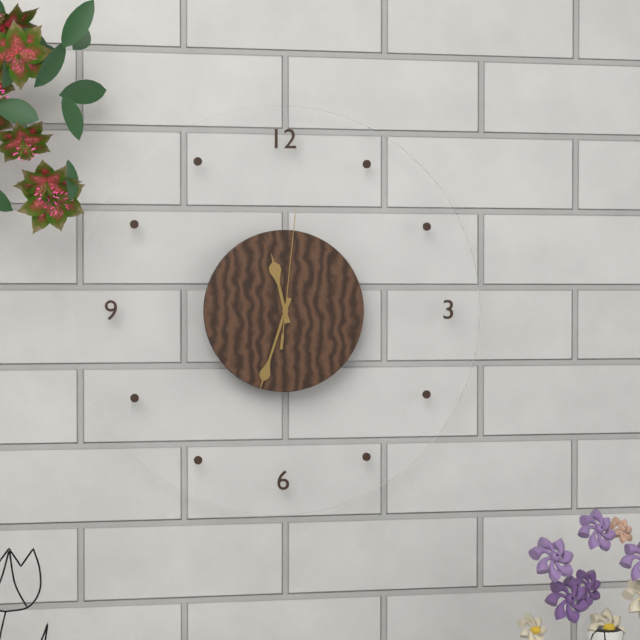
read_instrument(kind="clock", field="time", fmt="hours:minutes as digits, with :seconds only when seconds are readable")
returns 11:33:01
